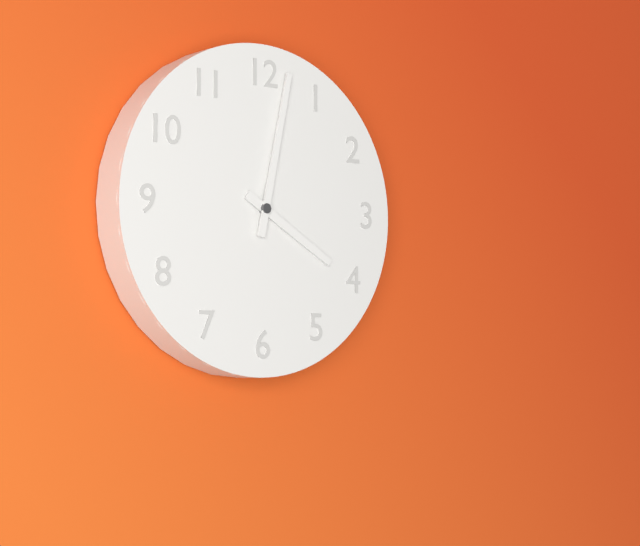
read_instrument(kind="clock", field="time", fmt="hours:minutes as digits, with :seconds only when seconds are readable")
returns 4:02
